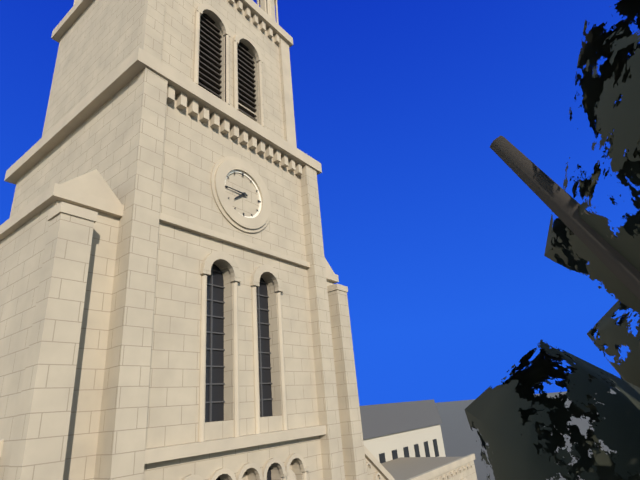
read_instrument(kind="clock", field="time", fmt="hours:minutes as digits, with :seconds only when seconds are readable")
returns 7:45
